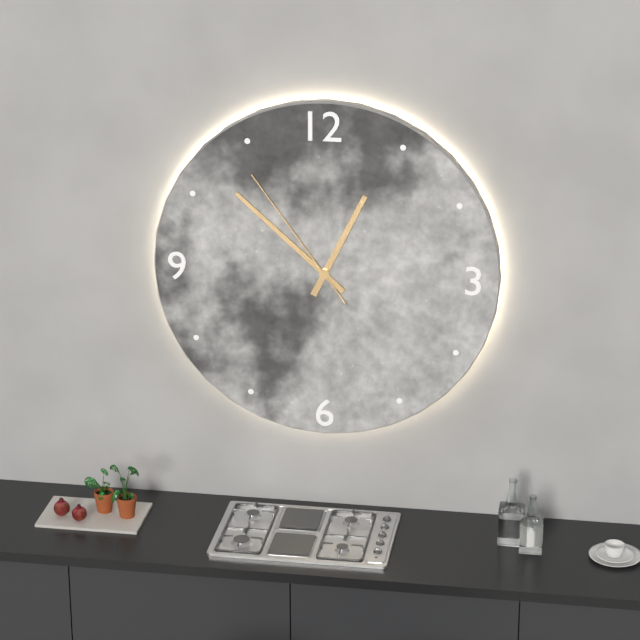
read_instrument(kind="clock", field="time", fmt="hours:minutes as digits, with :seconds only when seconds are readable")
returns 12:52:54
